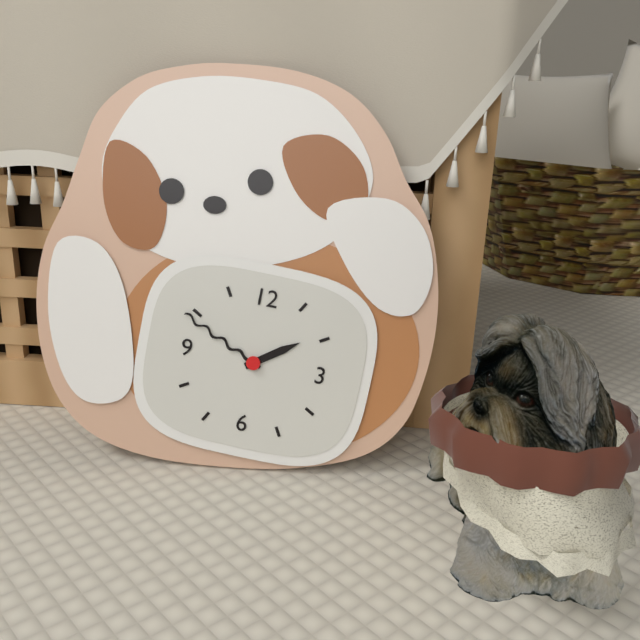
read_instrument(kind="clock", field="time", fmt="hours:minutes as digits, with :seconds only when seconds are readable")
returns 1:49
